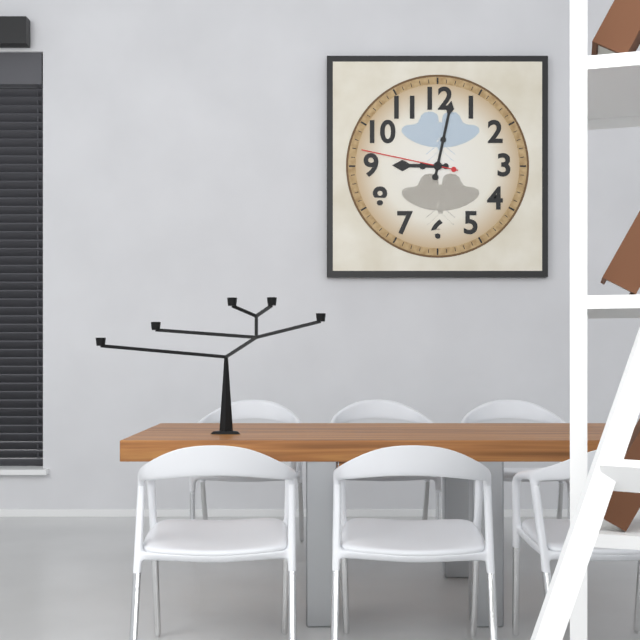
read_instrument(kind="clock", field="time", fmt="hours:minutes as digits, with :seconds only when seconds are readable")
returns 9:02:47
